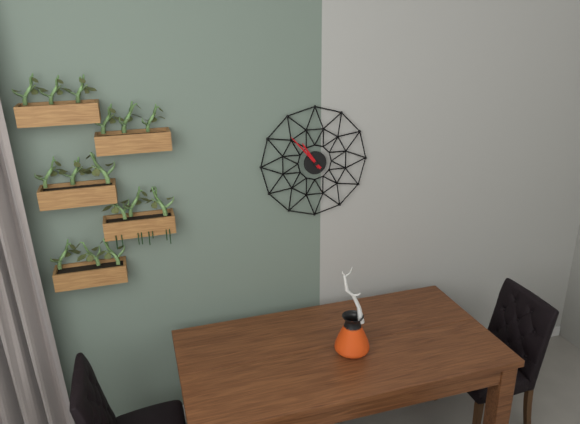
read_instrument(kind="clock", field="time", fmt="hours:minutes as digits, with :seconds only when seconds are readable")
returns 10:53
